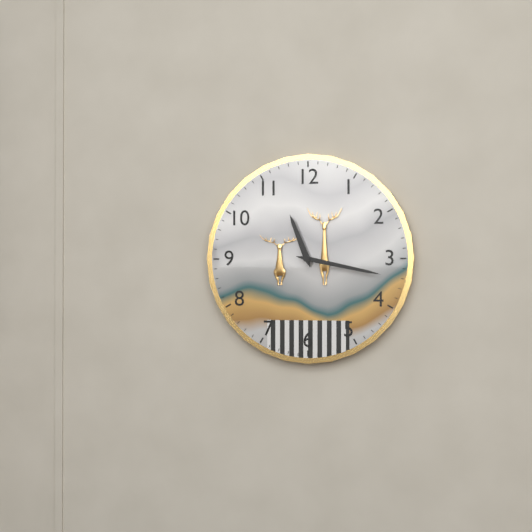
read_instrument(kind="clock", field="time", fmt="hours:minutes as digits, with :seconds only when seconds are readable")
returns 11:17
